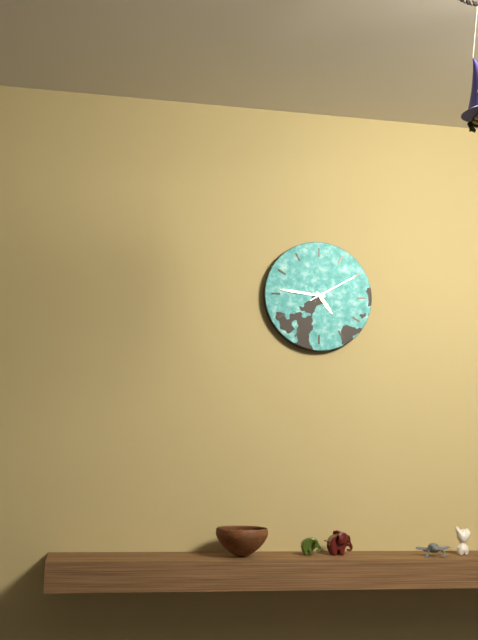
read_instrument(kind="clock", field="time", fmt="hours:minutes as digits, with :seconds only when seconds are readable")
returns 4:46:10
